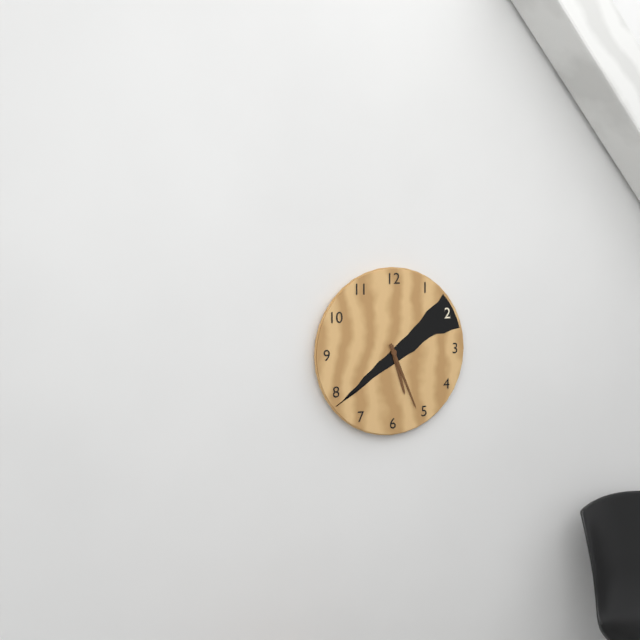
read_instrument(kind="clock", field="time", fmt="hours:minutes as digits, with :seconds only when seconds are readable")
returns 5:26
